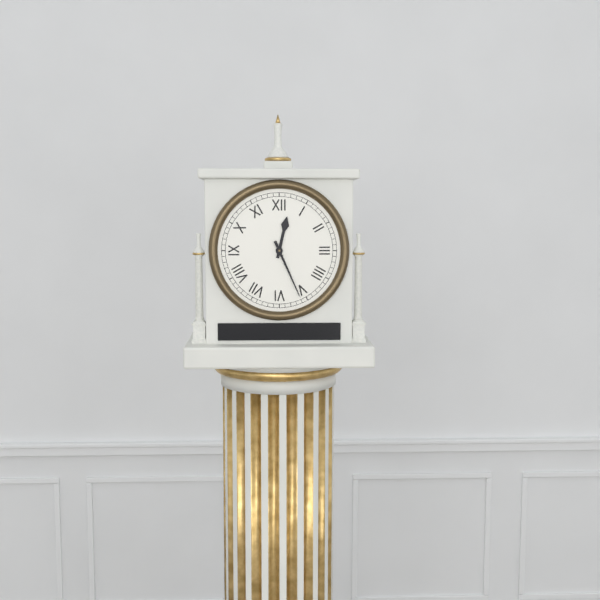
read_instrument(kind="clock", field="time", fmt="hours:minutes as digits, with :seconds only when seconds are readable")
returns 12:26
